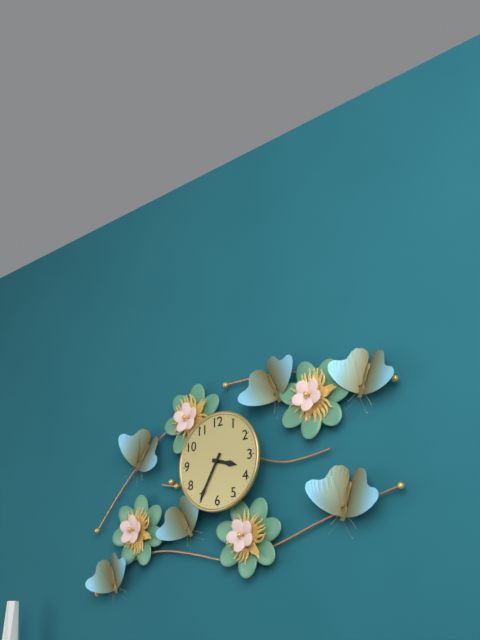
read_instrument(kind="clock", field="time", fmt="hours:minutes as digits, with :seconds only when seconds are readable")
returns 3:35
